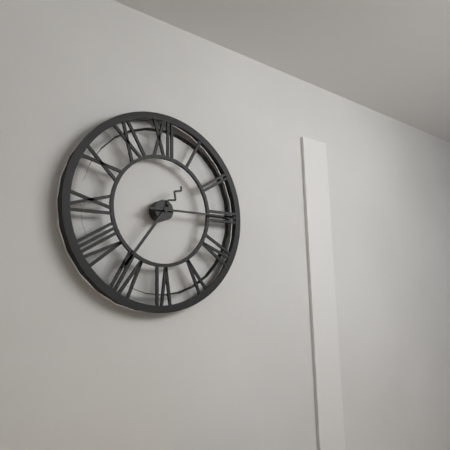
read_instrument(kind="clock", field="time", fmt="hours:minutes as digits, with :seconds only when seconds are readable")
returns 7:15
